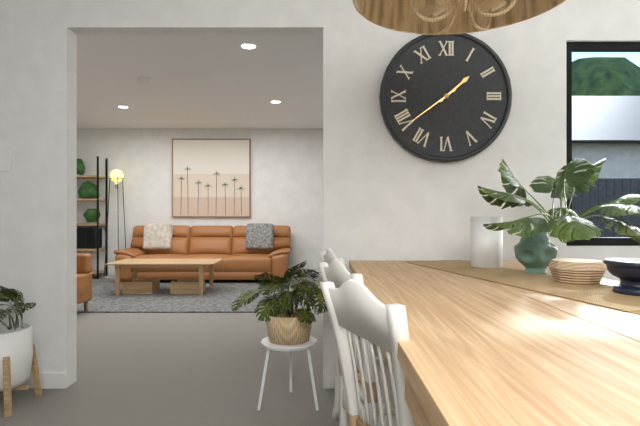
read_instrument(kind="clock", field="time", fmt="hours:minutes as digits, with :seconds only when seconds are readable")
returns 1:39
